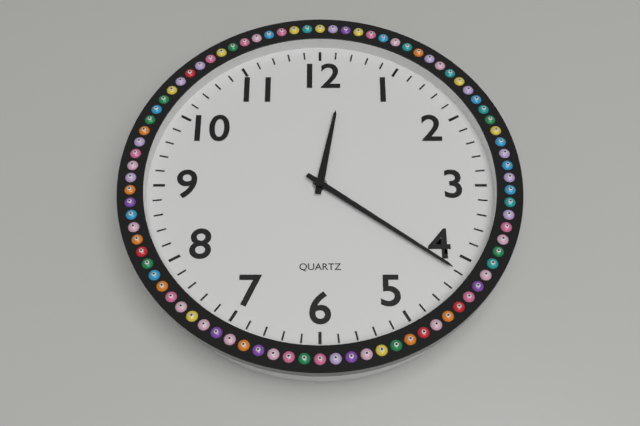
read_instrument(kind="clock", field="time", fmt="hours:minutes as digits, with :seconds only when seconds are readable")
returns 12:21
